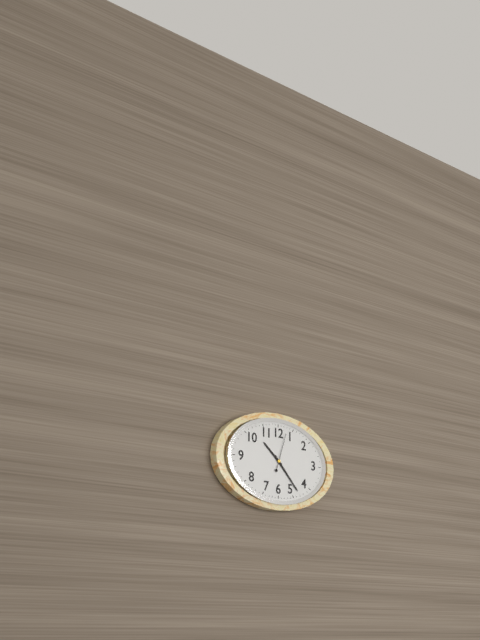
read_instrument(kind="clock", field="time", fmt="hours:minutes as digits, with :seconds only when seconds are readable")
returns 10:23
